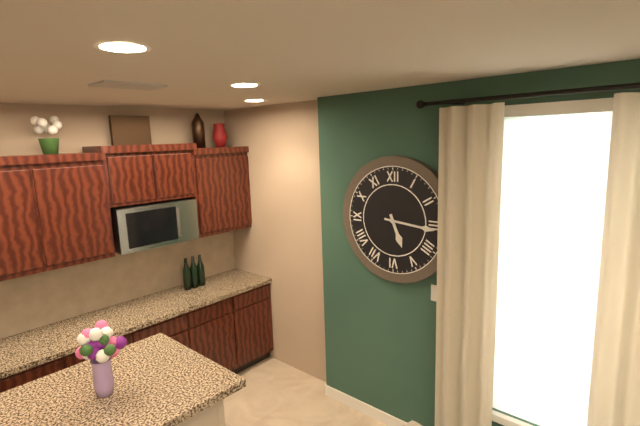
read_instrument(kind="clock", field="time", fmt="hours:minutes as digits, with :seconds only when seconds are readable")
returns 5:16
